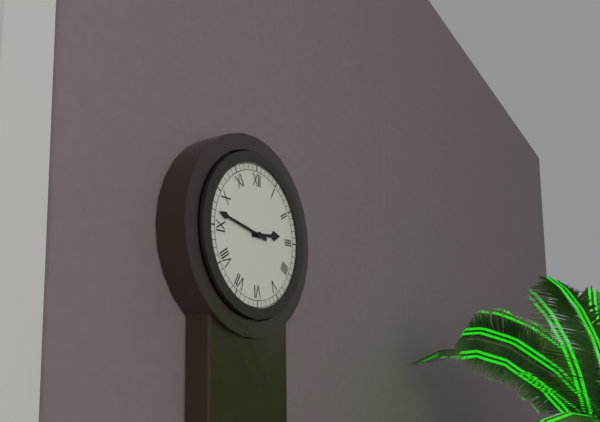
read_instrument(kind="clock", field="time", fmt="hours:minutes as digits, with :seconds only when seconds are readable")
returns 2:47
